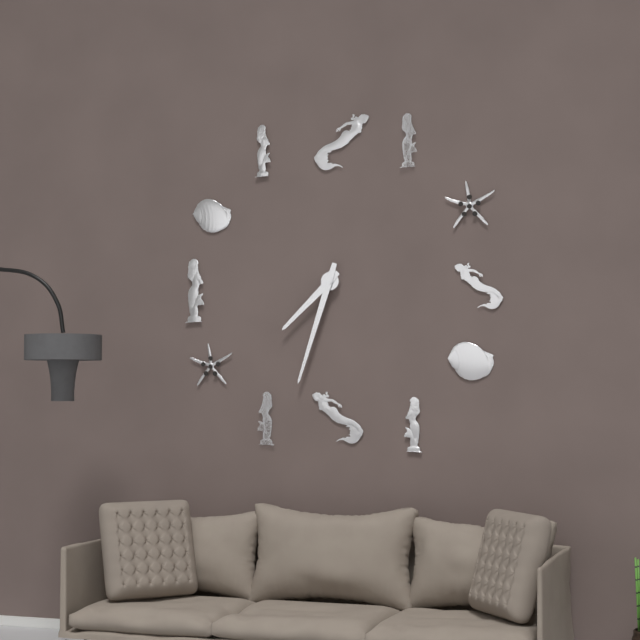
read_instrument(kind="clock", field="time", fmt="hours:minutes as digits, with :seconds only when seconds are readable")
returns 7:33
